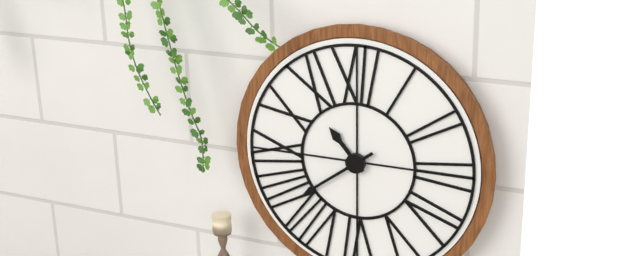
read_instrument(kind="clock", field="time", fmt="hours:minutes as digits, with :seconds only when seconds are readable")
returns 10:39
